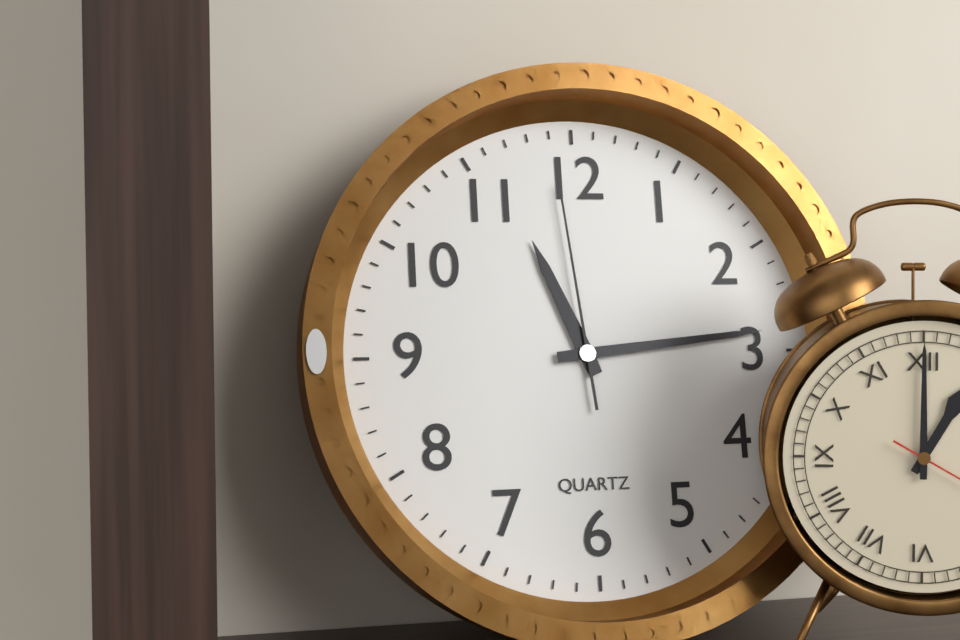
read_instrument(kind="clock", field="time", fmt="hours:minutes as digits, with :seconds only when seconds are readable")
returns 11:14:59
